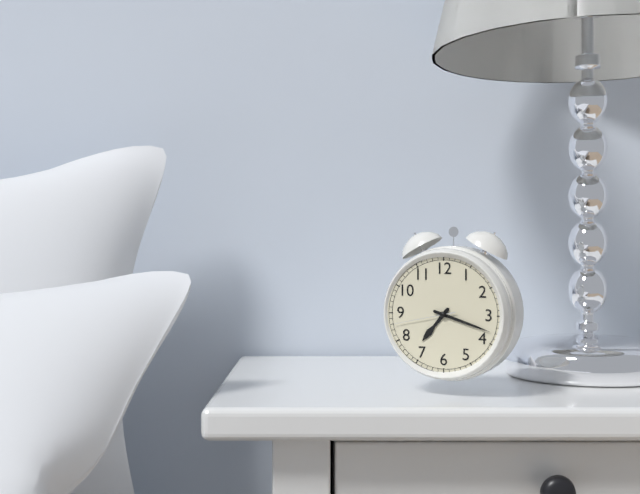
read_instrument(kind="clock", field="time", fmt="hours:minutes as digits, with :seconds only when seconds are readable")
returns 7:18:43
